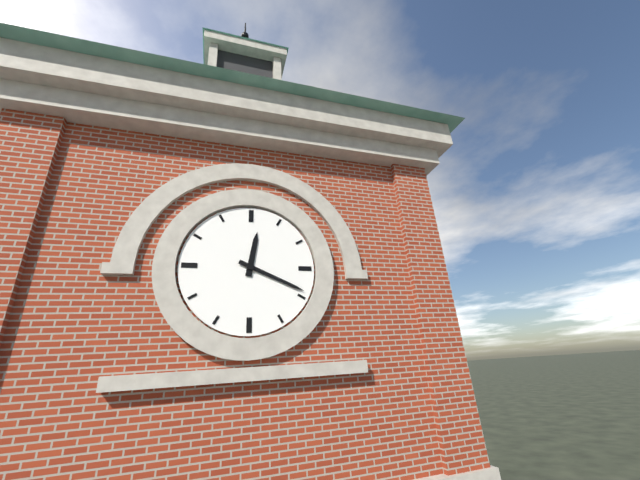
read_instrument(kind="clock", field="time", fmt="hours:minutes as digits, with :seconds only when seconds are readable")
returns 12:19
